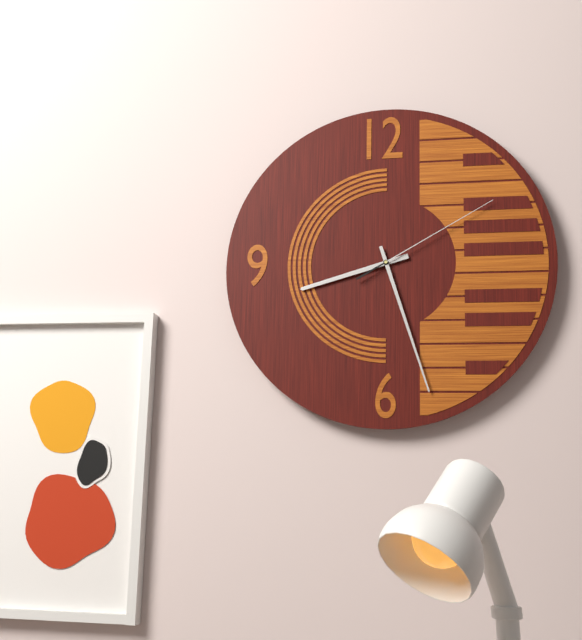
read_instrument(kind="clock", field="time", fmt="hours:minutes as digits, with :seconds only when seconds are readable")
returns 8:27:10
